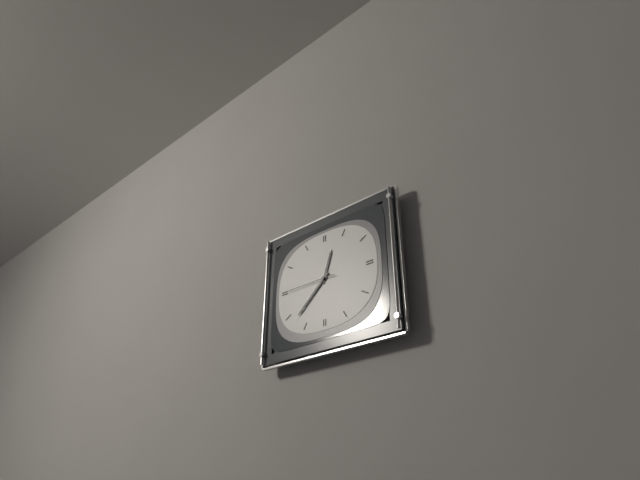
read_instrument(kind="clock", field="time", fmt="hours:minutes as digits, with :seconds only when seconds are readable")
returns 12:38
